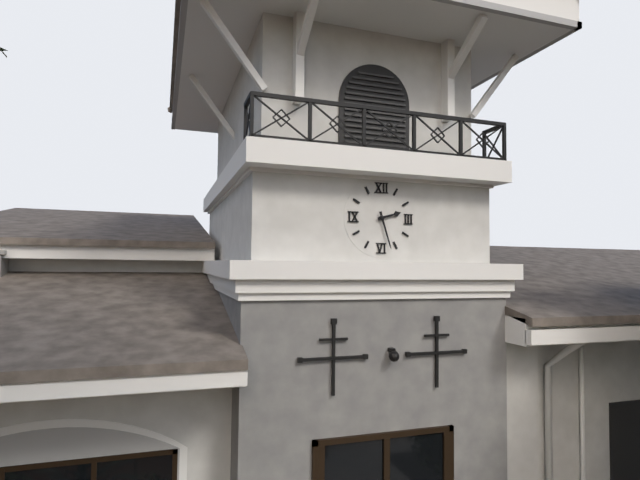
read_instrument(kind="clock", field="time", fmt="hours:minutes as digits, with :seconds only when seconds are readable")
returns 2:27
